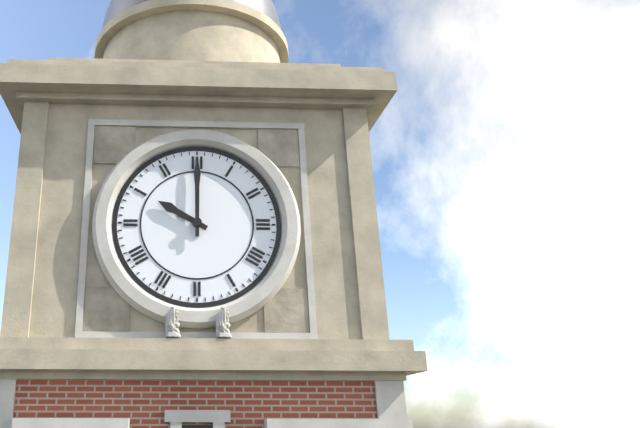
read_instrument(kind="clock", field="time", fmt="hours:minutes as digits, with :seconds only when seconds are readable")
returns 10:00
